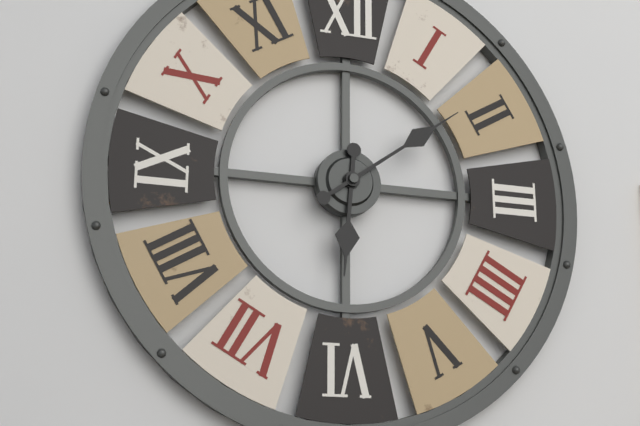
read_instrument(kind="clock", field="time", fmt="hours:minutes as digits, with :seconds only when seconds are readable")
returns 6:09
